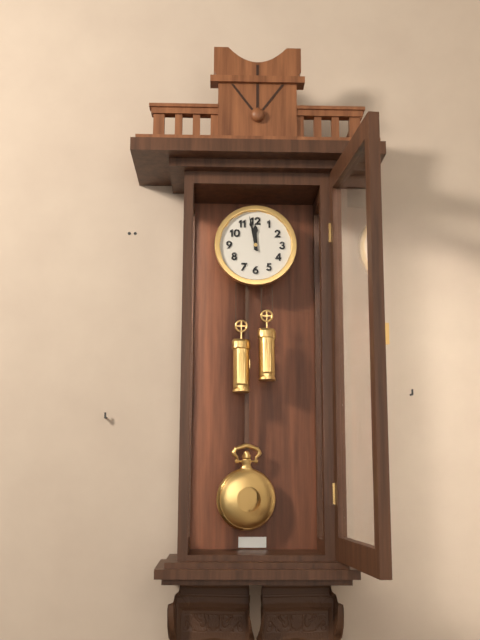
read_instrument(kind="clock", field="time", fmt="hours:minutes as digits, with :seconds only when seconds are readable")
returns 11:58
